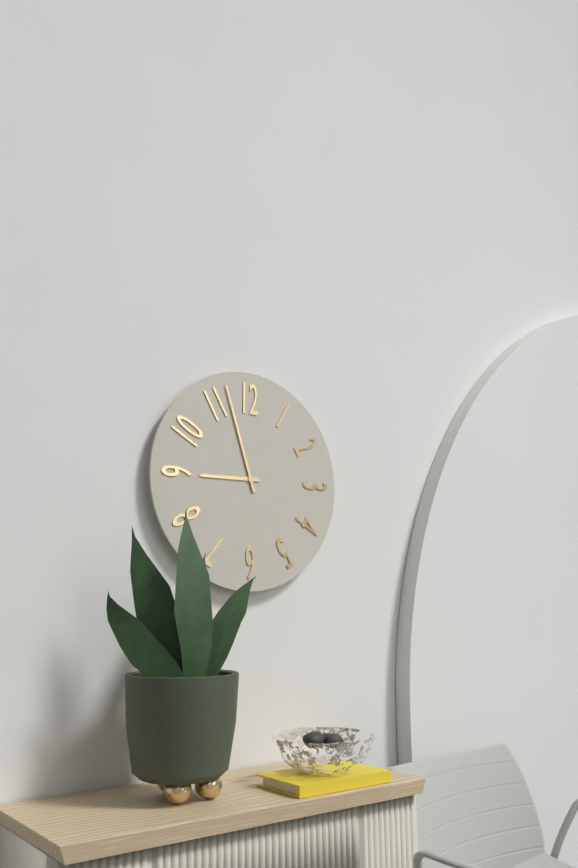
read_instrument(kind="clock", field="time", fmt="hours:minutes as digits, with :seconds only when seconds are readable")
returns 8:57
